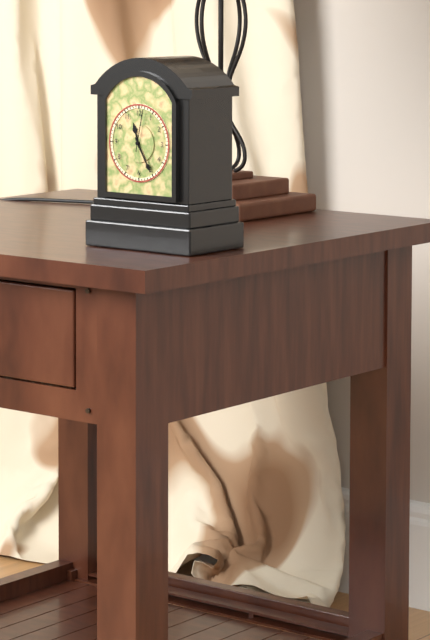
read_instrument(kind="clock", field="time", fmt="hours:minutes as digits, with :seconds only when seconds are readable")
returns 11:25
